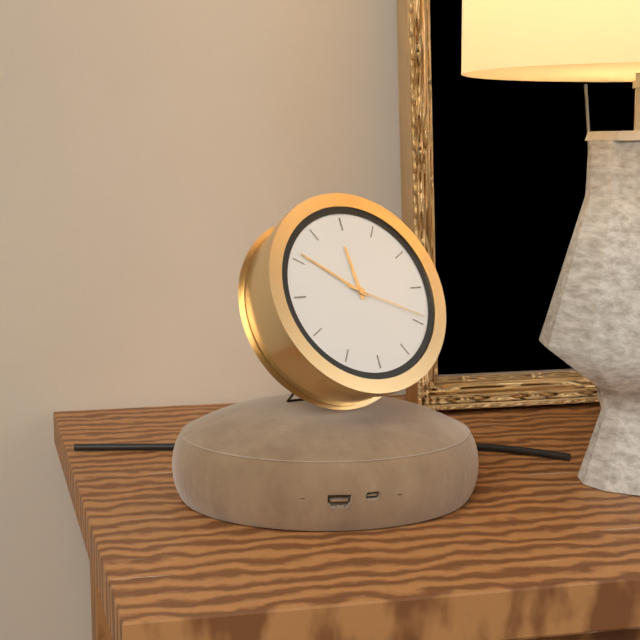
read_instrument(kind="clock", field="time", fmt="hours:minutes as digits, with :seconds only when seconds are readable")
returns 11:51:19
